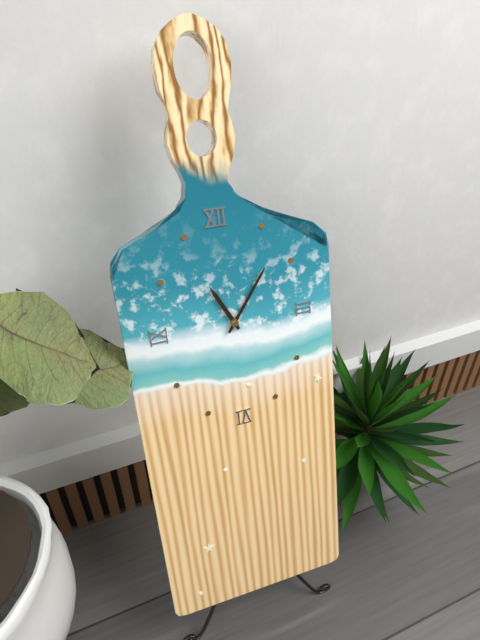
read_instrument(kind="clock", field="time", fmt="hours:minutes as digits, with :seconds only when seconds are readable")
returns 11:06
